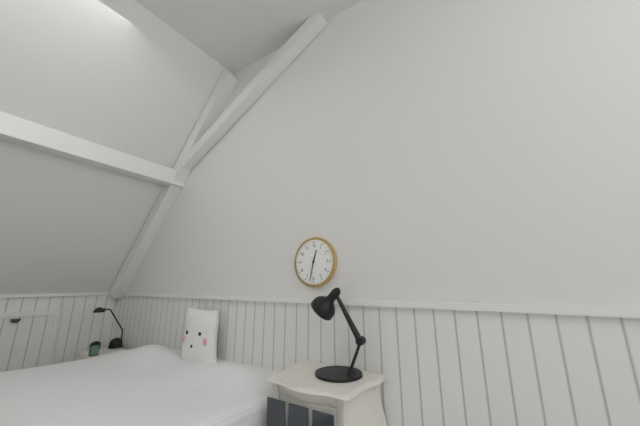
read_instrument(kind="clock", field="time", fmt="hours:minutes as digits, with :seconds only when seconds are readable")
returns 12:32
